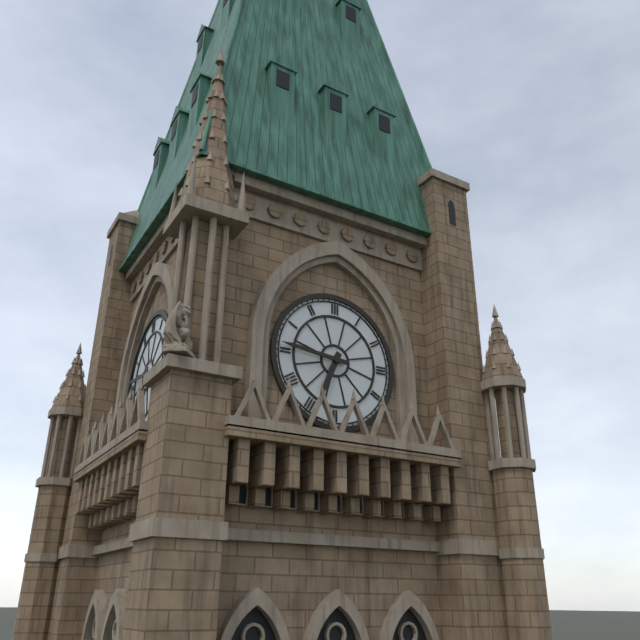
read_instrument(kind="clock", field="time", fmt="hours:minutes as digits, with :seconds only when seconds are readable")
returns 6:46
